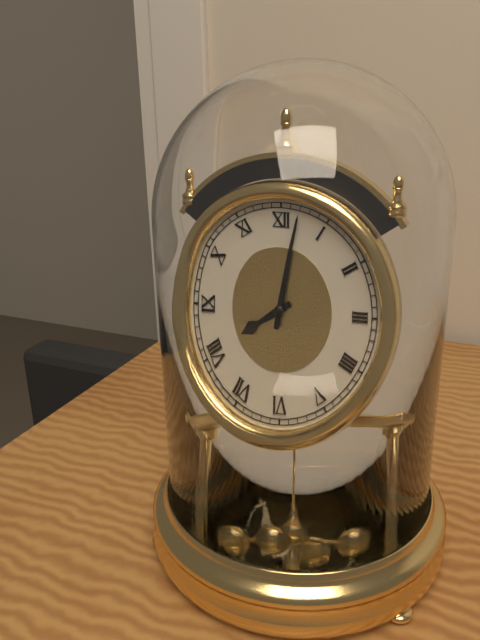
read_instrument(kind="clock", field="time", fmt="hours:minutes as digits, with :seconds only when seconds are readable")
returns 8:02
